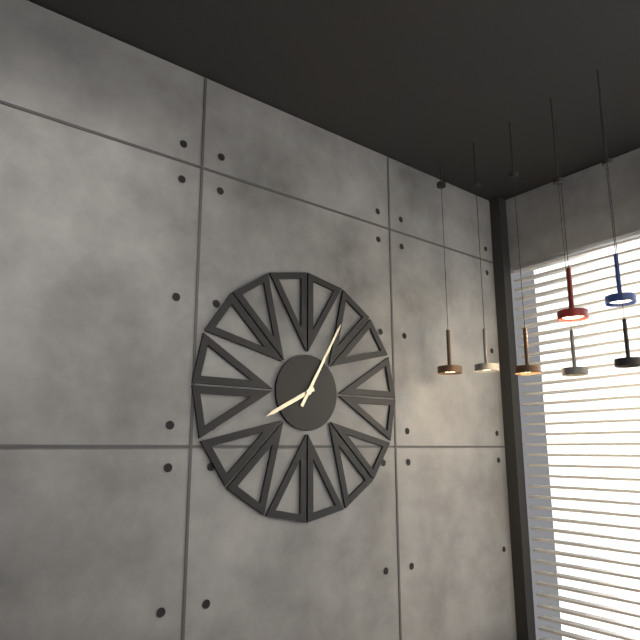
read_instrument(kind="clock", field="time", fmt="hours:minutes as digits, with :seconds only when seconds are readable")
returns 8:05
